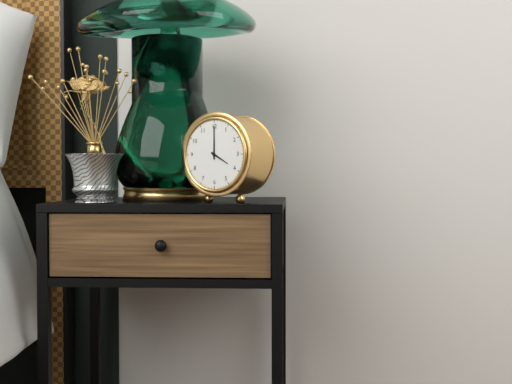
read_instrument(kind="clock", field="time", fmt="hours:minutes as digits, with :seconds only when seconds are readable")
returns 4:00
